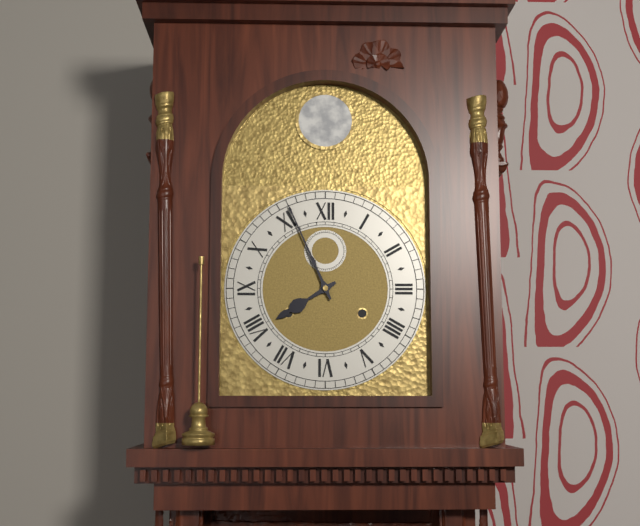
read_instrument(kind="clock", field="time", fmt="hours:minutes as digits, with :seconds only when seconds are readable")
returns 7:56
